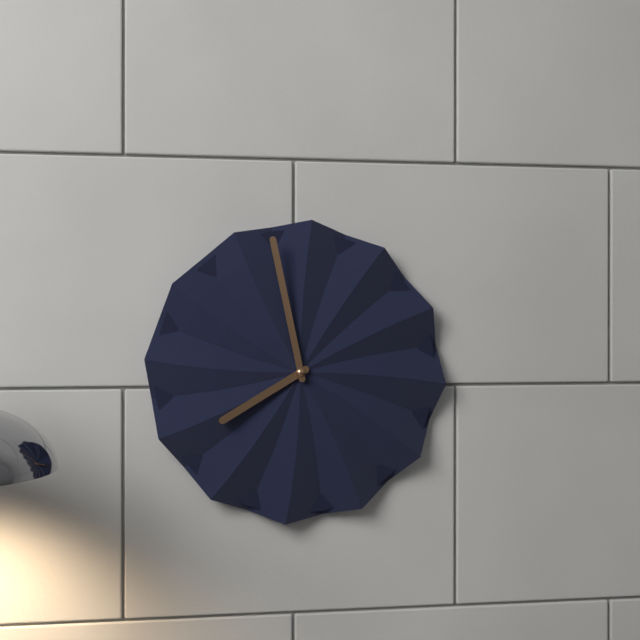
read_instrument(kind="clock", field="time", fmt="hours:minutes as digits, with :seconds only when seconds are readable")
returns 7:58
